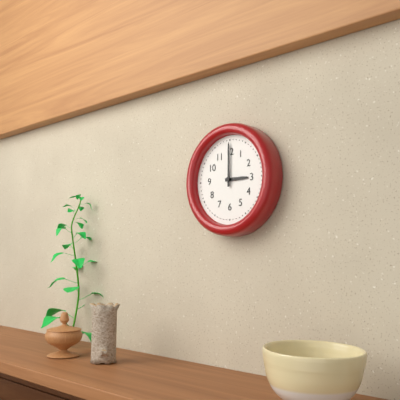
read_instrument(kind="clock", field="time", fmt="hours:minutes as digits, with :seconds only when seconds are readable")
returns 3:00
